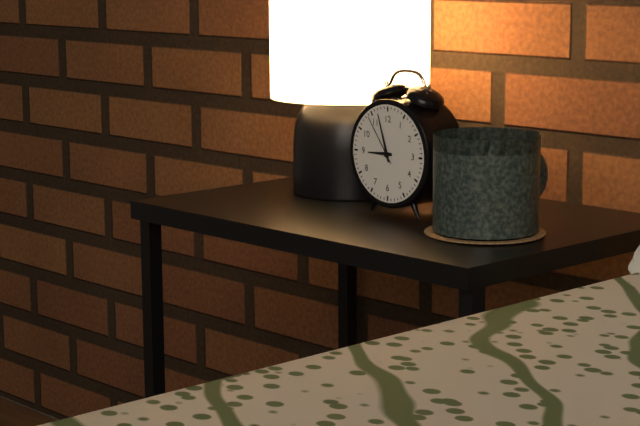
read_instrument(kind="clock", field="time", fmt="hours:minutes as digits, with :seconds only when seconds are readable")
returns 8:57:54
